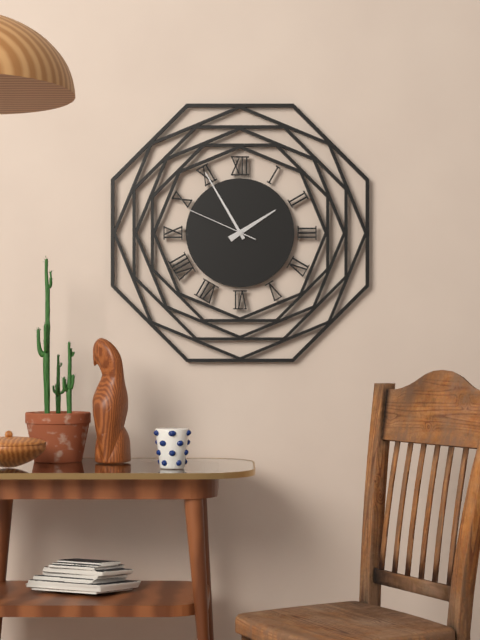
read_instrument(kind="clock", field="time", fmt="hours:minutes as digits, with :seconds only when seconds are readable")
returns 1:55:49
